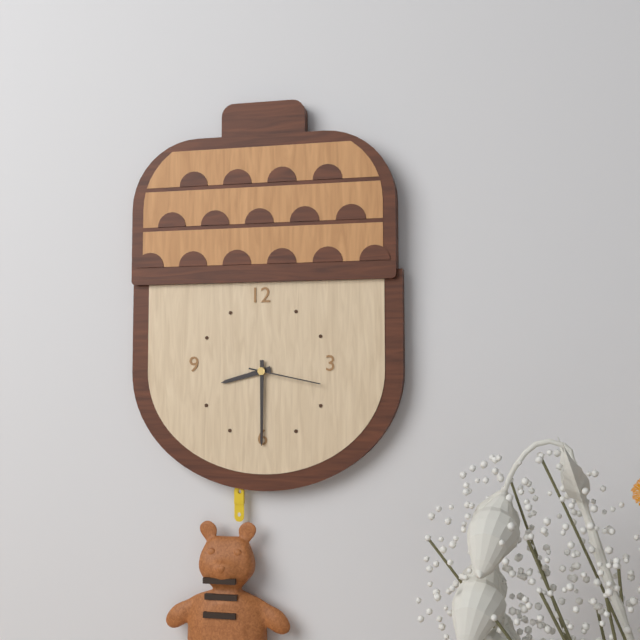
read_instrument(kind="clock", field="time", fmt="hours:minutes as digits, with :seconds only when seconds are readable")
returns 8:30:17
